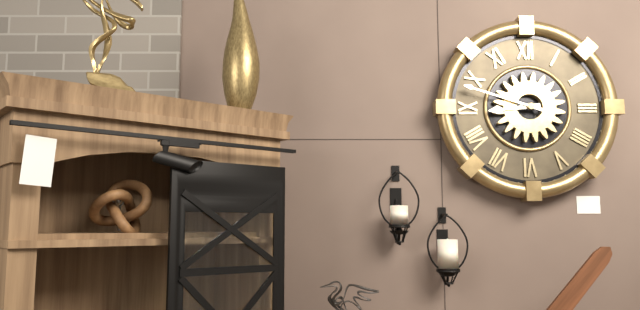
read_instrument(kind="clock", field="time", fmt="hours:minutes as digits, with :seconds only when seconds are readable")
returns 8:48
